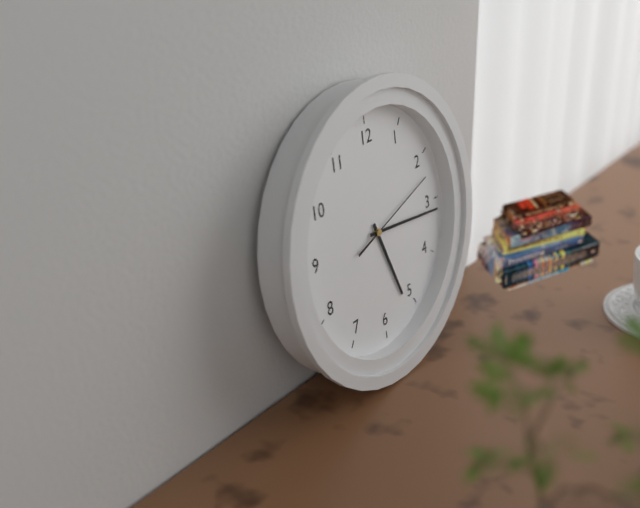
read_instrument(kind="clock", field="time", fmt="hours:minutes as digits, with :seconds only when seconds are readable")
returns 5:16:12
